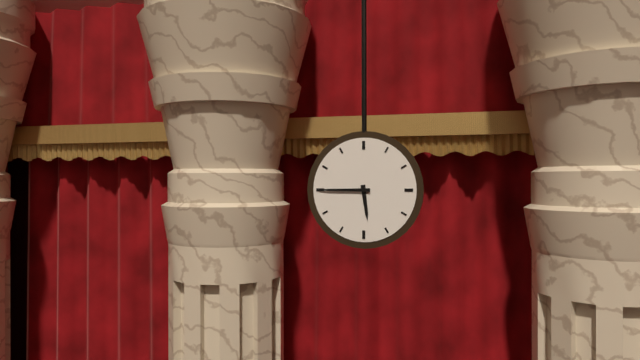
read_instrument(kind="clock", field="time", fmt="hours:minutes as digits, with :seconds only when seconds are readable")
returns 5:45
